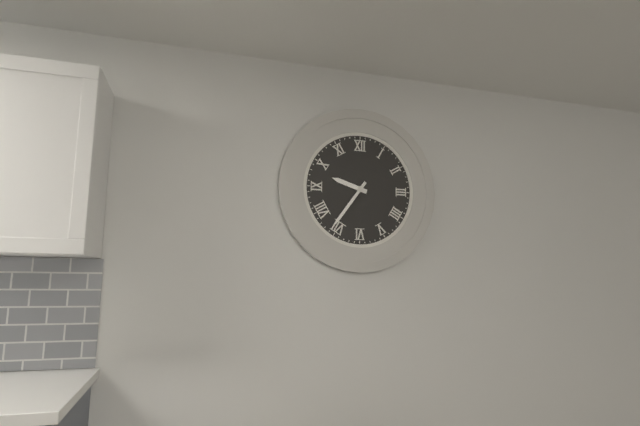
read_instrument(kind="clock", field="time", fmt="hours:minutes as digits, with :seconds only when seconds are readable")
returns 9:36
